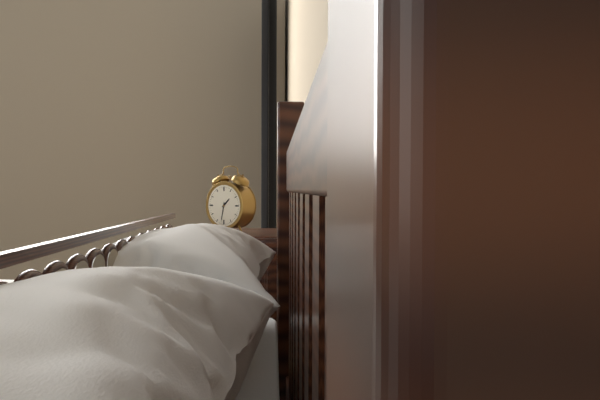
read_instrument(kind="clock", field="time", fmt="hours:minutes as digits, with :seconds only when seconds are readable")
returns 1:32
